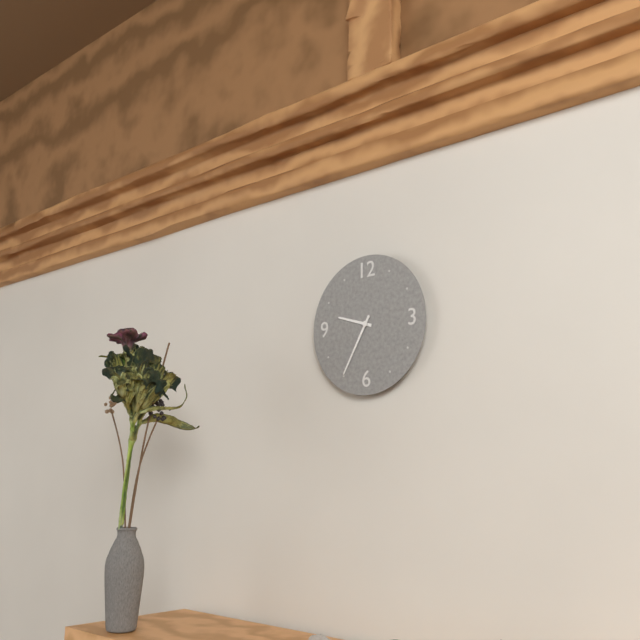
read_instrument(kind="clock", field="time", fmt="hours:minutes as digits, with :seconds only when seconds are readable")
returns 9:35
